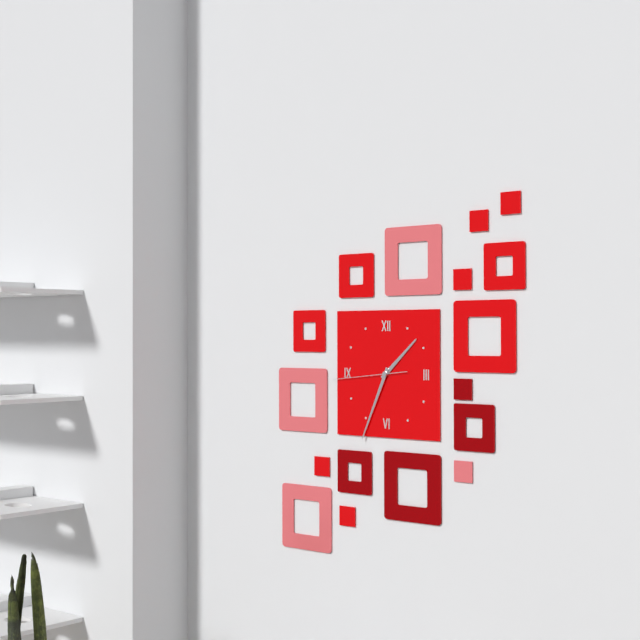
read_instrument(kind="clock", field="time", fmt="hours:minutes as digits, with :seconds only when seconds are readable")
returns 1:34:44
